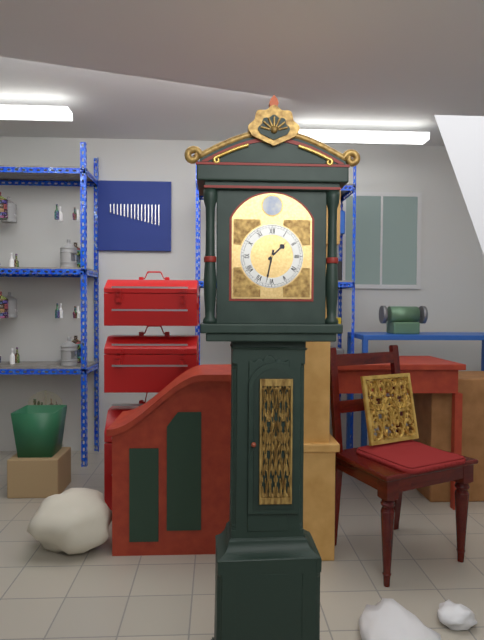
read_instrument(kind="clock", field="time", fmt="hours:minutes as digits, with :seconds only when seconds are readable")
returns 1:32
